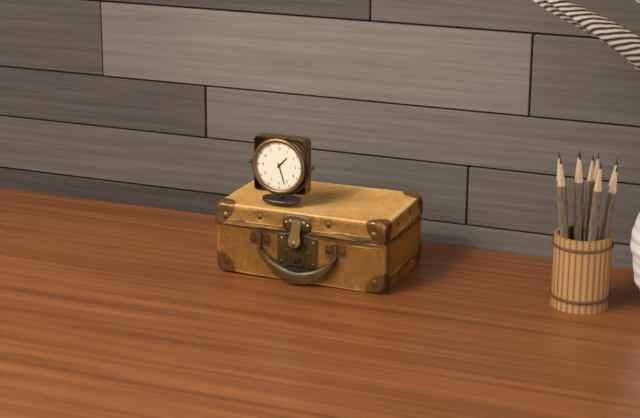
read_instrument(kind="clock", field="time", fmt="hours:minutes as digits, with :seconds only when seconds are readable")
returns 1:27
